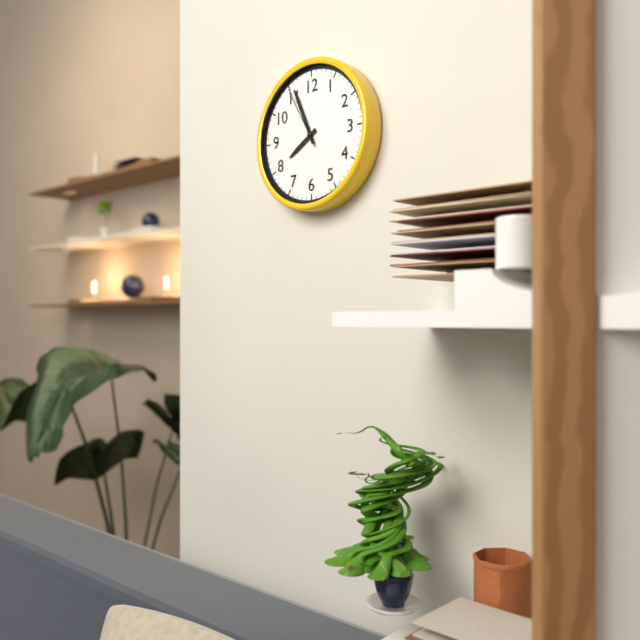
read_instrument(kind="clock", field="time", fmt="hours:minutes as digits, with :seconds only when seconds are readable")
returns 7:56:55
